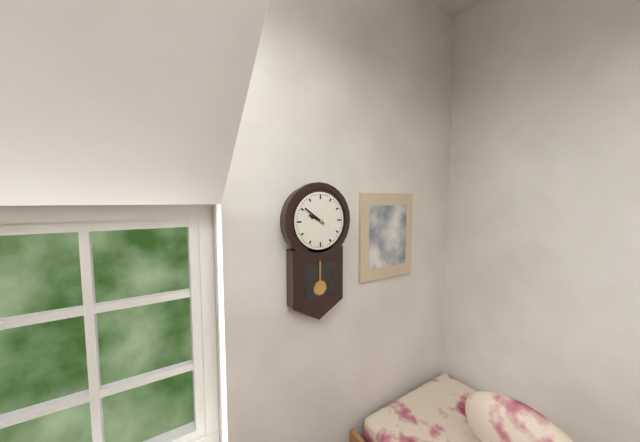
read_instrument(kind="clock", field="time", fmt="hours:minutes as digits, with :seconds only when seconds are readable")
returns 9:51
